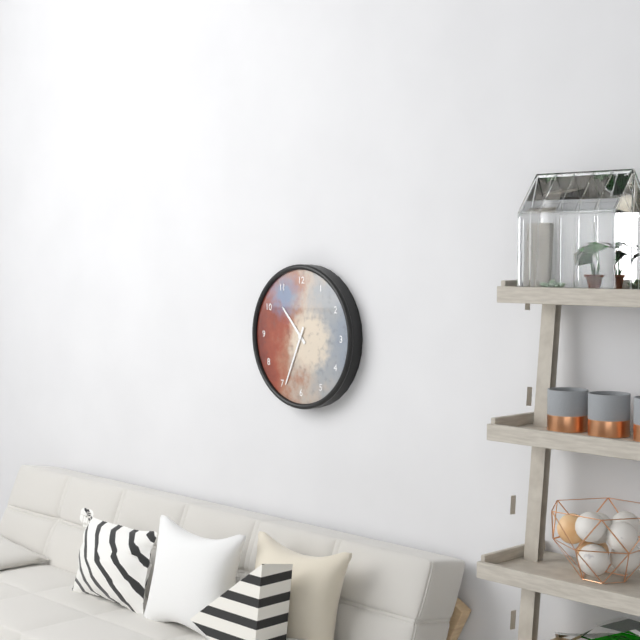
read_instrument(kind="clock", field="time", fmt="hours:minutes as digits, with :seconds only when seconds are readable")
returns 10:34
